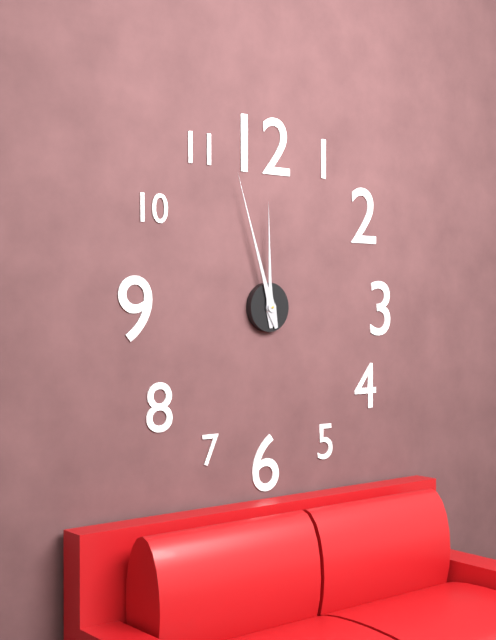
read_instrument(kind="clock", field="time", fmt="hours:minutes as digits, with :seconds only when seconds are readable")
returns 11:57
